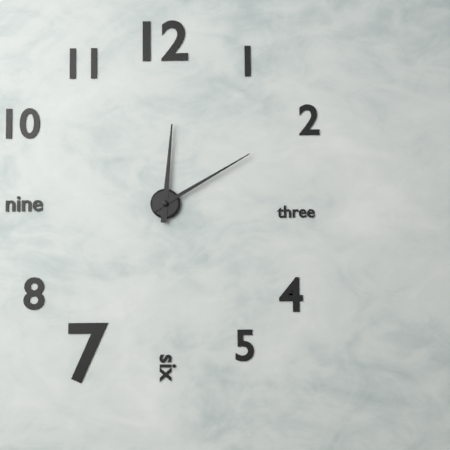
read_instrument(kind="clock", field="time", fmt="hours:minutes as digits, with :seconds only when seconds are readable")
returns 12:10
